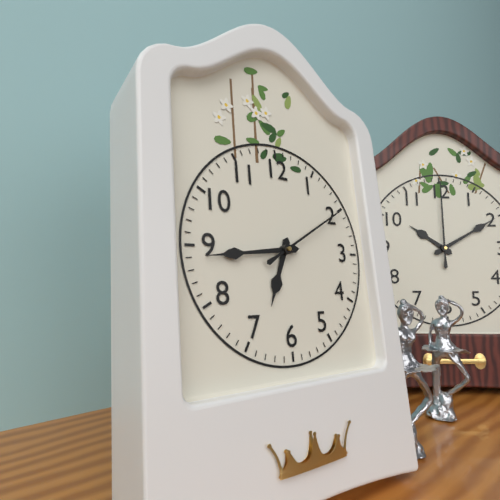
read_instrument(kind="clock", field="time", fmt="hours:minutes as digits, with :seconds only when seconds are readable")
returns 6:44:10
